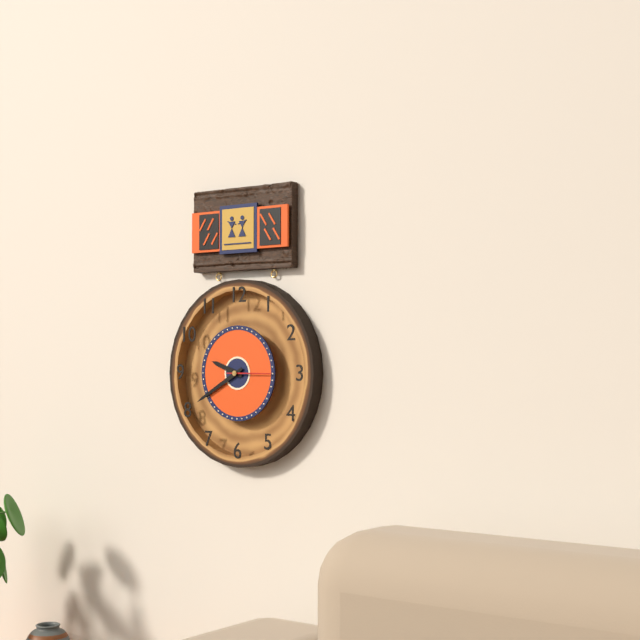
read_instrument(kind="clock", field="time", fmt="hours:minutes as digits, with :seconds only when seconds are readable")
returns 9:40
